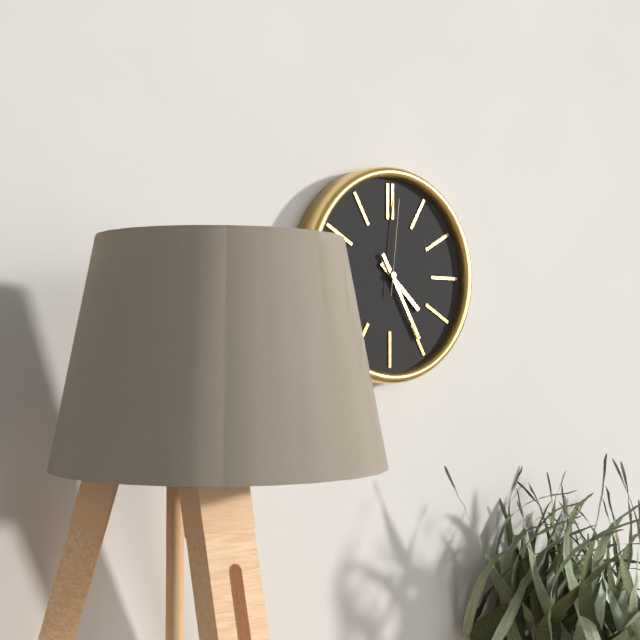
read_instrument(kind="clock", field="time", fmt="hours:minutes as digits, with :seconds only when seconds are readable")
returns 4:25:01
